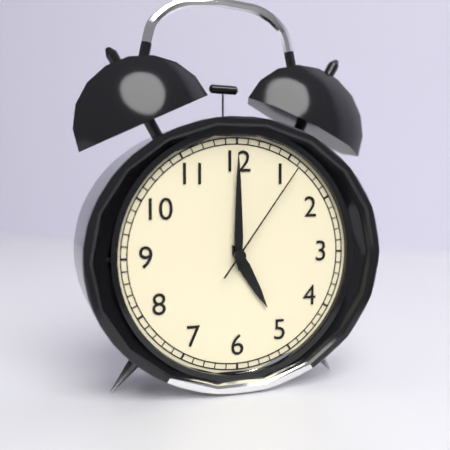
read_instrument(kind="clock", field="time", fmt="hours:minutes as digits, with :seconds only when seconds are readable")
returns 5:00:06
